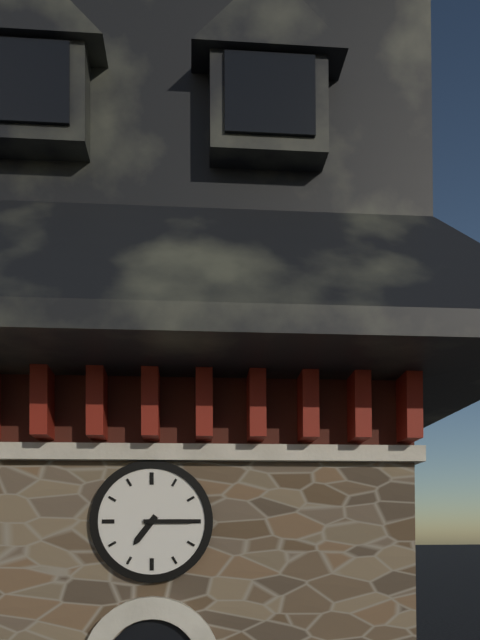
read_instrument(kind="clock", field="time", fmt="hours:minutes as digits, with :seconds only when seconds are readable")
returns 7:15
